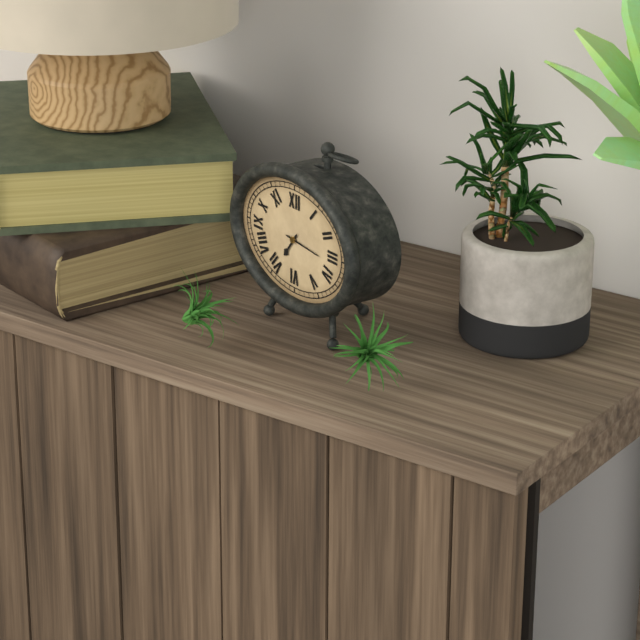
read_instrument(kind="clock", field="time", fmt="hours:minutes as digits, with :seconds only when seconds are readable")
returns 7:16
